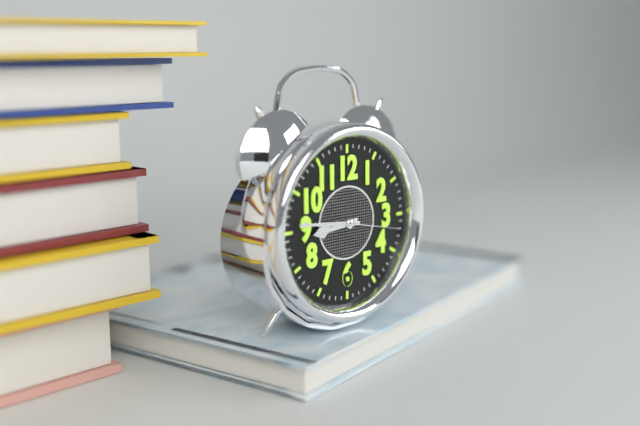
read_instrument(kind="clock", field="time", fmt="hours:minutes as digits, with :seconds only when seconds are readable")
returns 8:46:17
